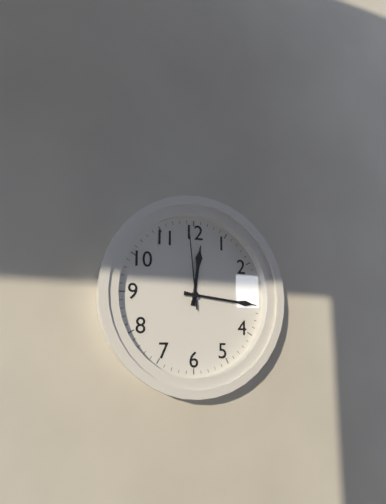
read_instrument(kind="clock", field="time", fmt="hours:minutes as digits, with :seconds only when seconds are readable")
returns 12:16:59
